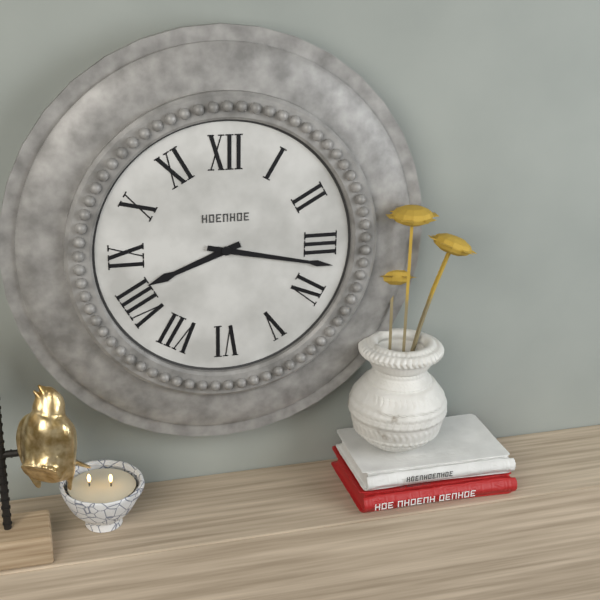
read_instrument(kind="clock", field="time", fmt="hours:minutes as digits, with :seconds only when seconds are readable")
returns 8:17
